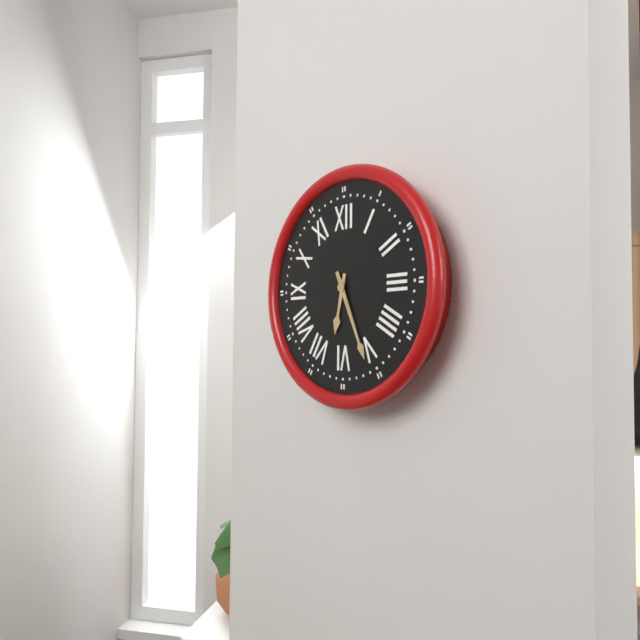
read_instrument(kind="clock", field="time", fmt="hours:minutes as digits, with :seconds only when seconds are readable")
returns 6:26
